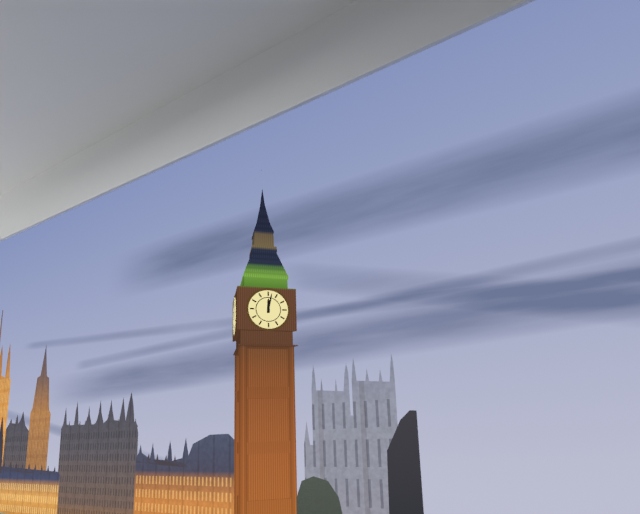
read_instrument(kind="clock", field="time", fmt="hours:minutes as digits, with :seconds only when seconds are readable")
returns 12:02
